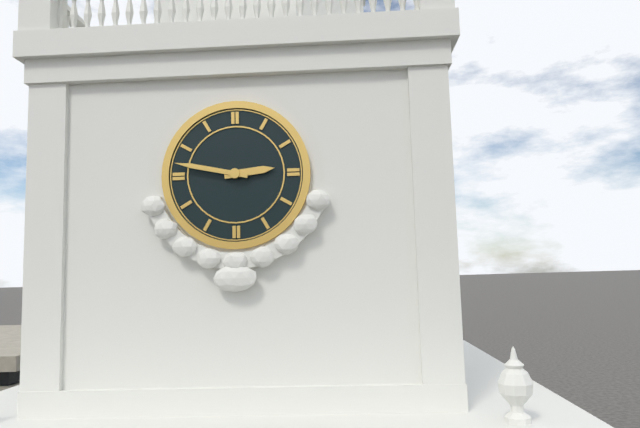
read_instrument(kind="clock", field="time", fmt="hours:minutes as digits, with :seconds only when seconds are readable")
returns 2:47
